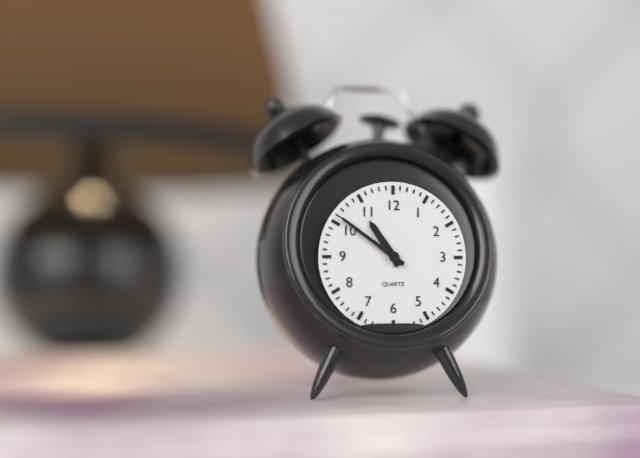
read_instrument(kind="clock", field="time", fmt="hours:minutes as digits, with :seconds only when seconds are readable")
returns 10:51
